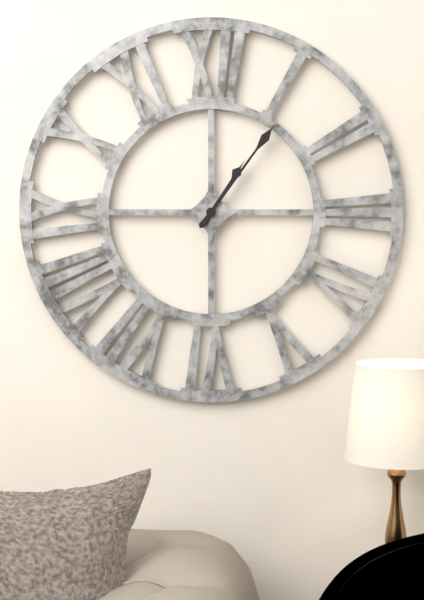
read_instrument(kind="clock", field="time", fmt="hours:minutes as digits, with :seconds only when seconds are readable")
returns 1:06
